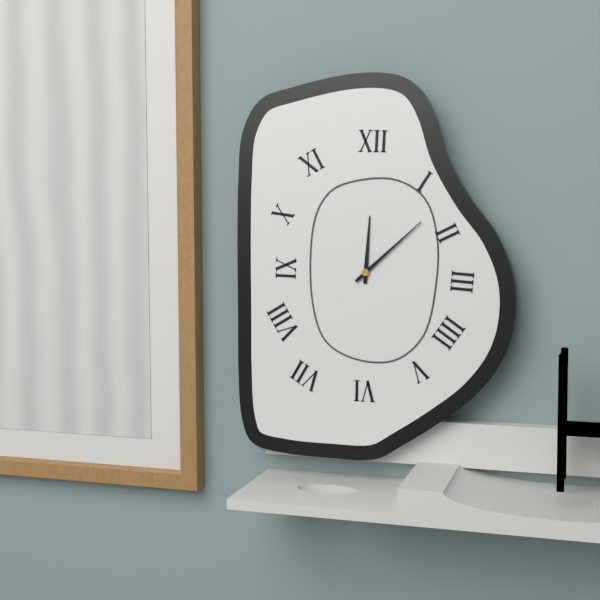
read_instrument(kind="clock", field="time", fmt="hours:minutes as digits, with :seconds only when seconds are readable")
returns 12:08
